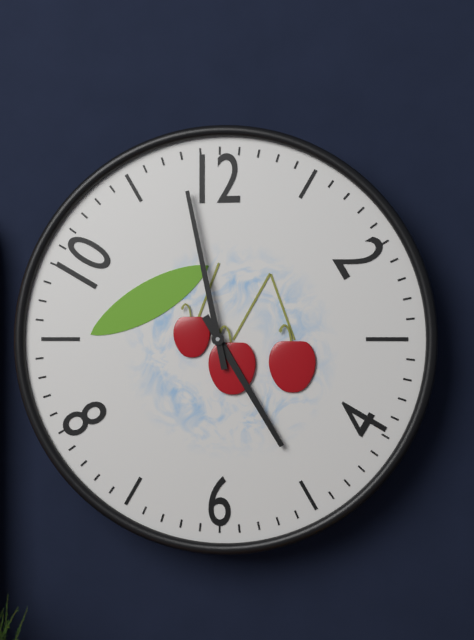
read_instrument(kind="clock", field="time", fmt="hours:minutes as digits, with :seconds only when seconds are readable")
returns 4:58
